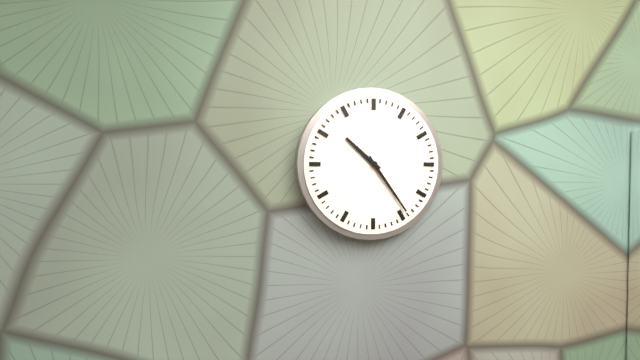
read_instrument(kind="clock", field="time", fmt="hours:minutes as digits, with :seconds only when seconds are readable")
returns 10:24
